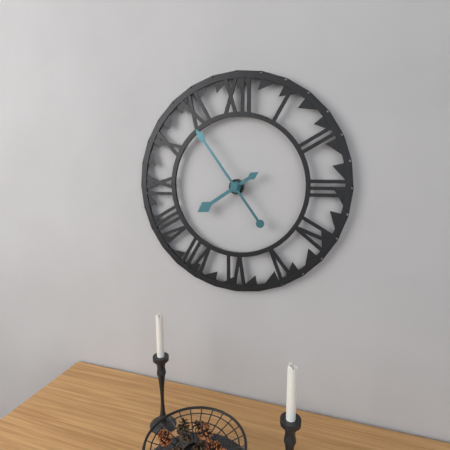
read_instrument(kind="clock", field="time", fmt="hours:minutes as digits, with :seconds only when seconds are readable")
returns 7:54
